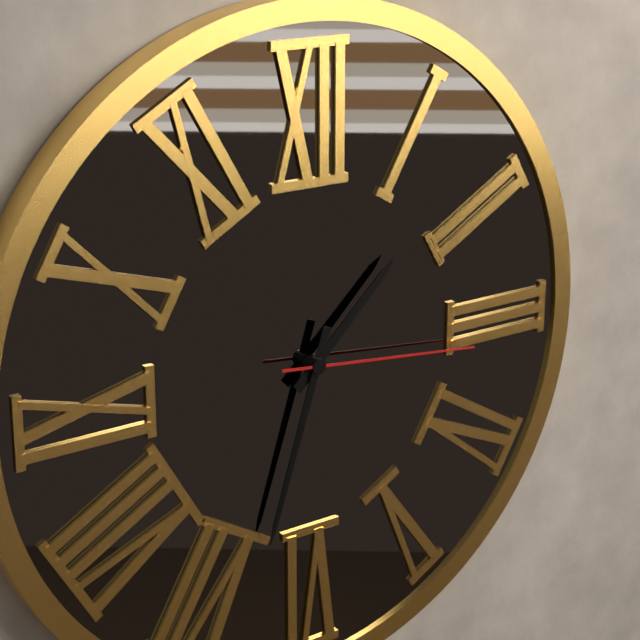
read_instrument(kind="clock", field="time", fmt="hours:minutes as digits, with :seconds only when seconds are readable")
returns 1:33:16
